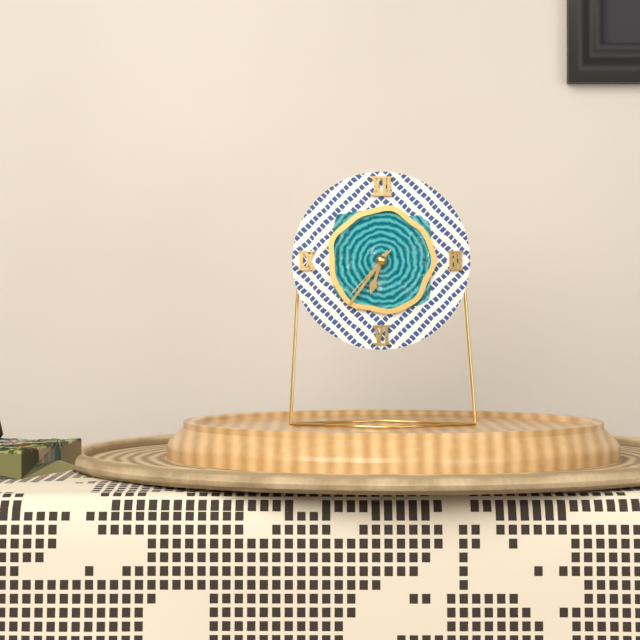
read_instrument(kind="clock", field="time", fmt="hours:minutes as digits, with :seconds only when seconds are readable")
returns 6:36:37
